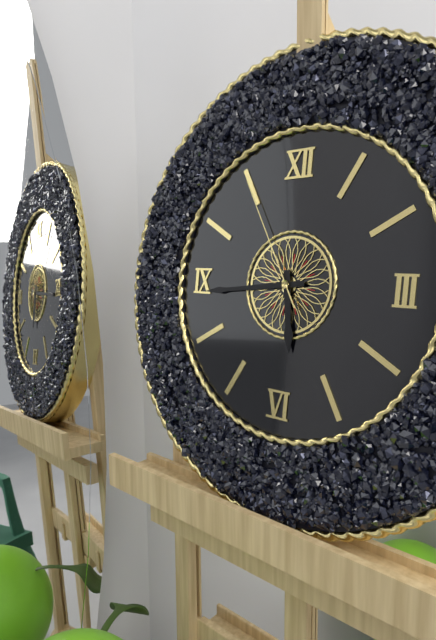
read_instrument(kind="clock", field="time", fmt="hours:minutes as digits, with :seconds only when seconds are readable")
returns 5:44:55
